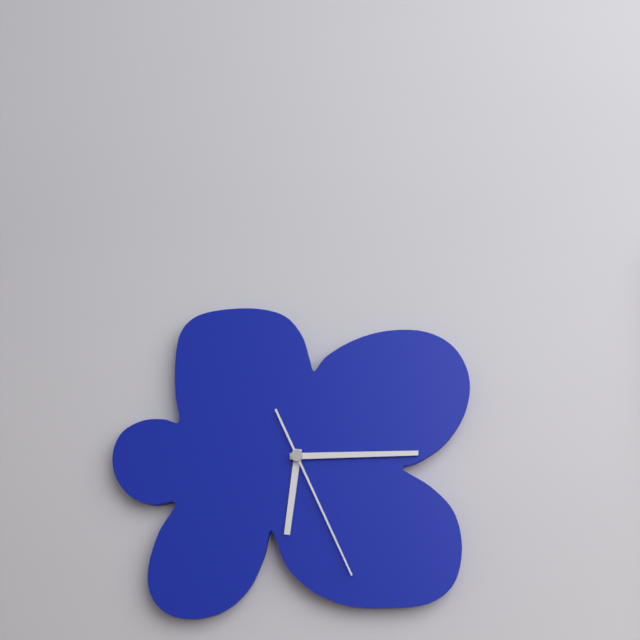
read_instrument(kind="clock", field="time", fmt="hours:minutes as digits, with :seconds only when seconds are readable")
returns 6:15:26
